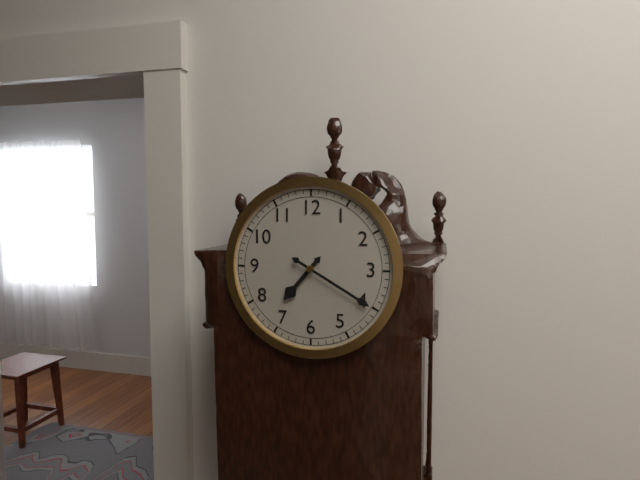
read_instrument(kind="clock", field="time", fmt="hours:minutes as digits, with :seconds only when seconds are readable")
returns 7:20
